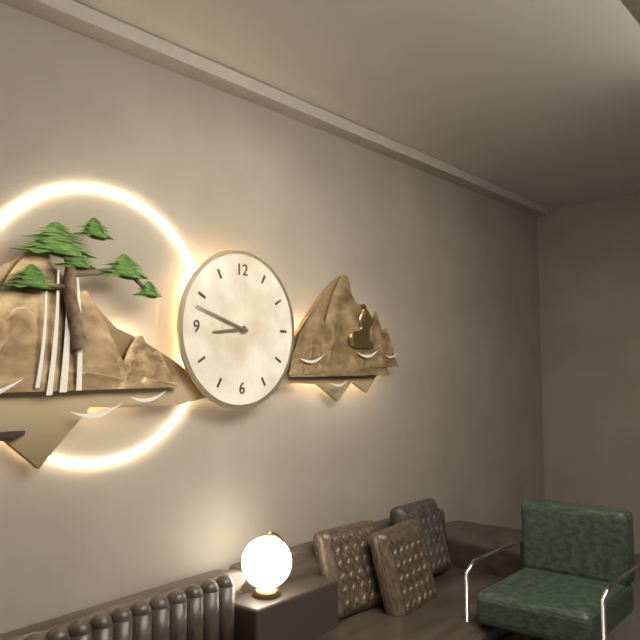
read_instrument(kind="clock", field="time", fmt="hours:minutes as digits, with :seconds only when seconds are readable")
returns 8:48
